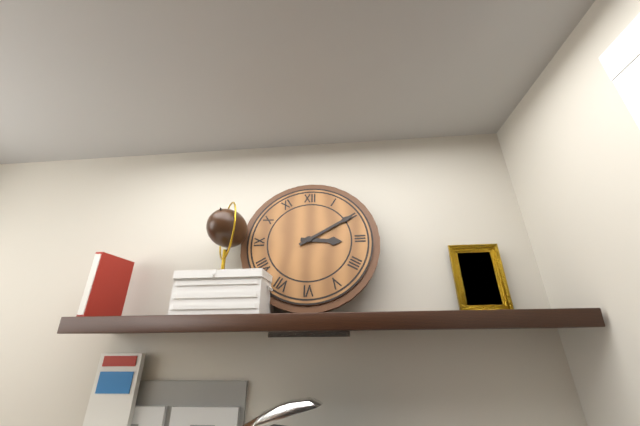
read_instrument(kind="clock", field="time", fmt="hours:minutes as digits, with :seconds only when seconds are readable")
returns 3:10
